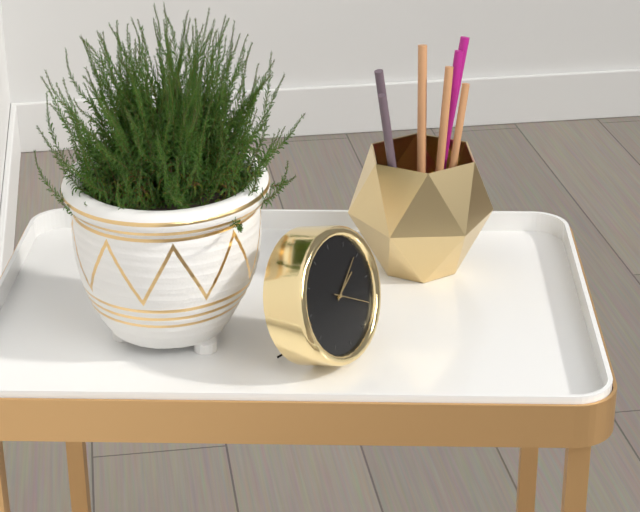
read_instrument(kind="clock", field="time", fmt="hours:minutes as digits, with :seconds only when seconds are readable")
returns 2:09
